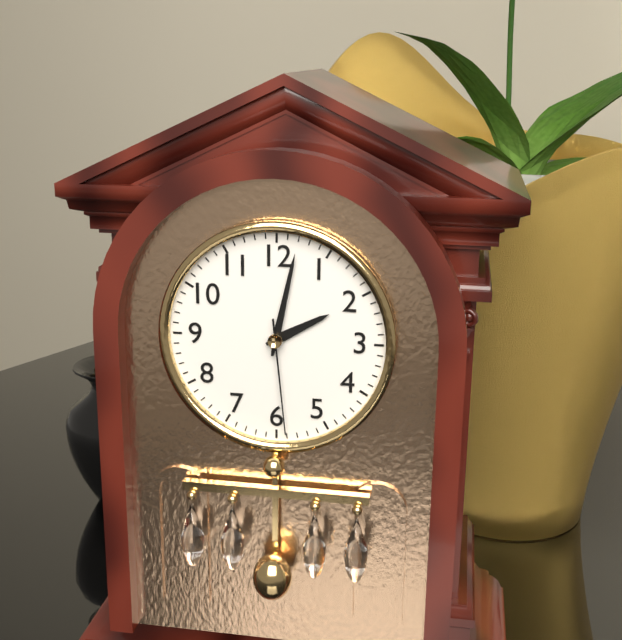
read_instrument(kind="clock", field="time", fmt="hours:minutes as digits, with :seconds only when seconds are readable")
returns 2:02:29
